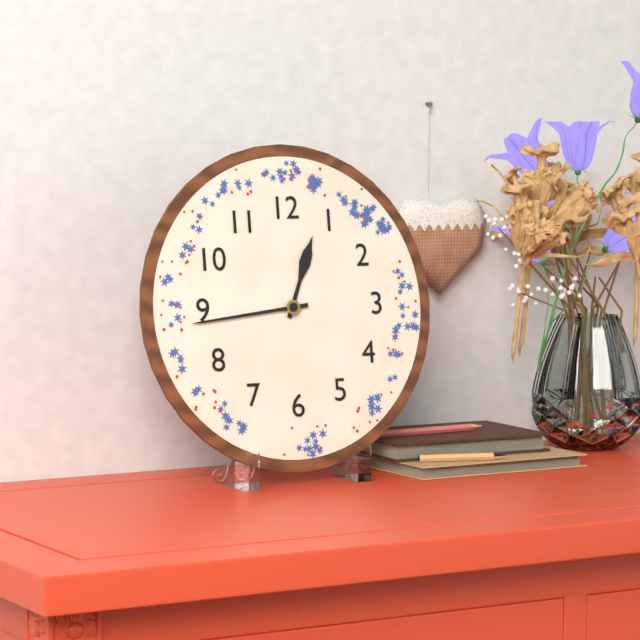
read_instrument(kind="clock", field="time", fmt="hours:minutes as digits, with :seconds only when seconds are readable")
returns 12:44
